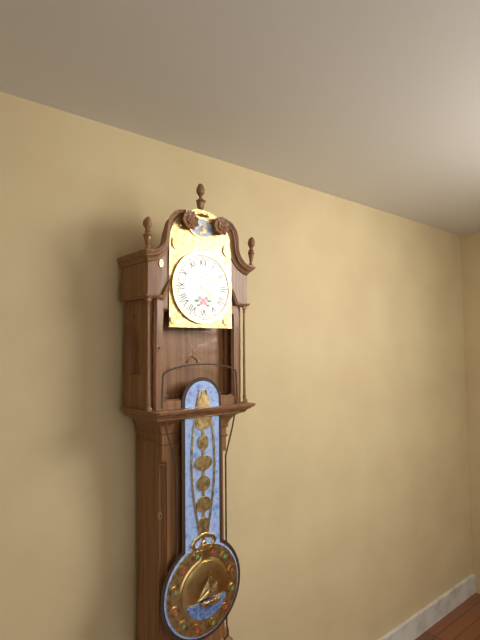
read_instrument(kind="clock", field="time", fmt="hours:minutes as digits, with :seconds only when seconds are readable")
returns 4:09
